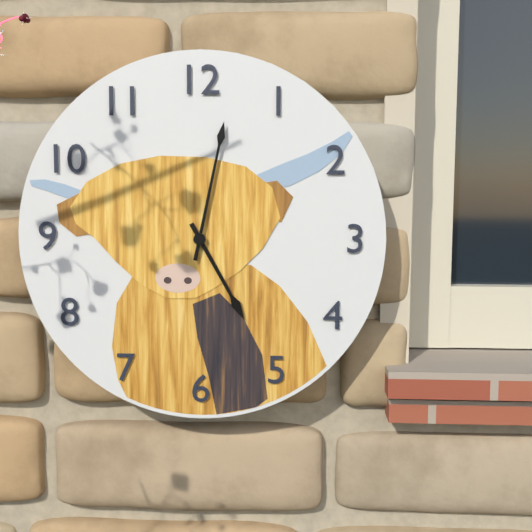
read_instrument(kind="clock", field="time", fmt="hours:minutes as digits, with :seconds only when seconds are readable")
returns 5:02
